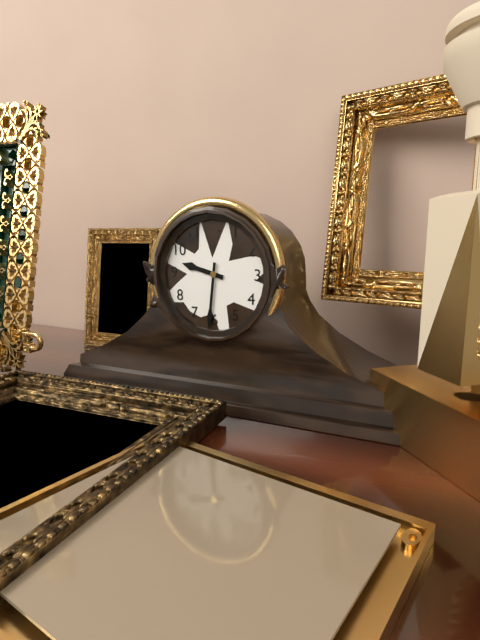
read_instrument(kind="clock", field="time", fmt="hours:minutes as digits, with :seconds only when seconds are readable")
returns 9:31
